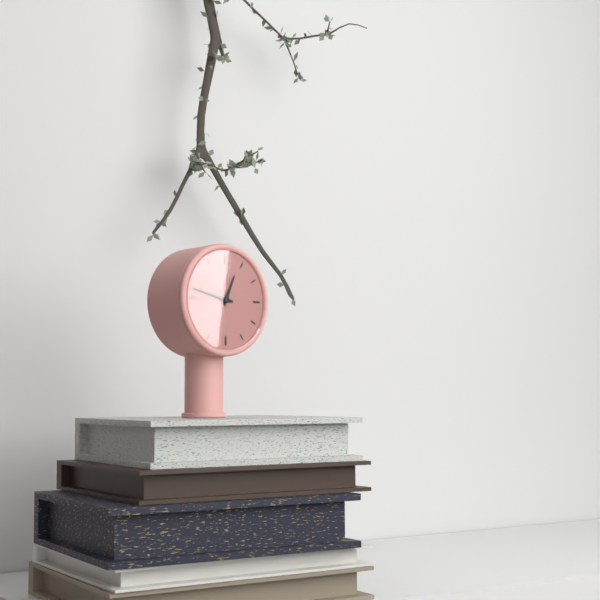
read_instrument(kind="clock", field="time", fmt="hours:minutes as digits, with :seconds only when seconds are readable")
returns 12:47
